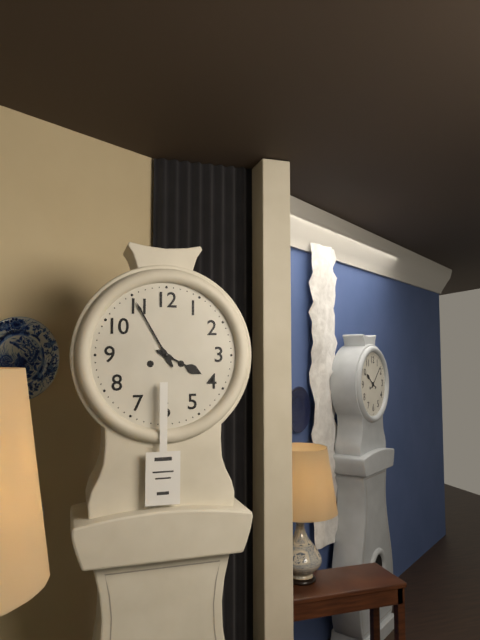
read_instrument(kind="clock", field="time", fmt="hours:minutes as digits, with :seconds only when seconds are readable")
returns 3:55
